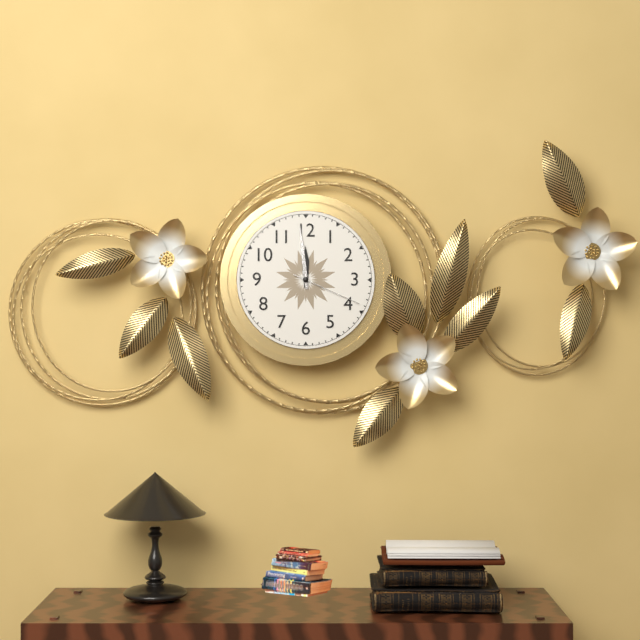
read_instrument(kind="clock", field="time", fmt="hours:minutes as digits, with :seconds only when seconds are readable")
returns 11:59:19
